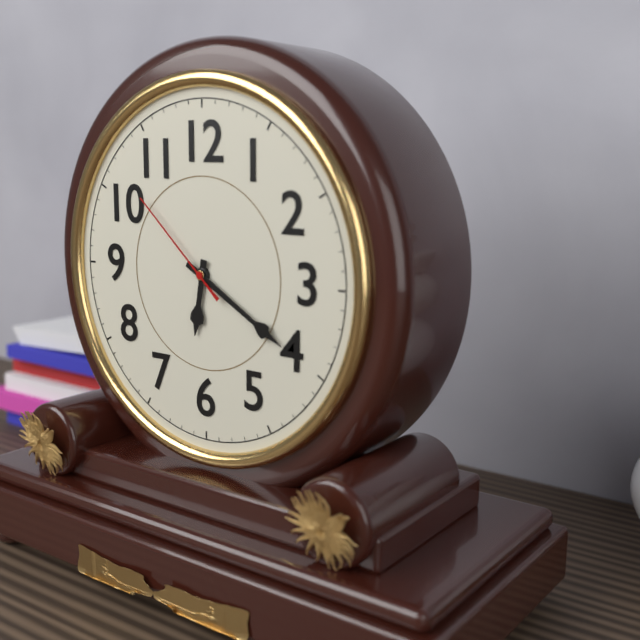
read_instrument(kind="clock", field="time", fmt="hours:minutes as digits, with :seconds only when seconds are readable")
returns 6:20:52
